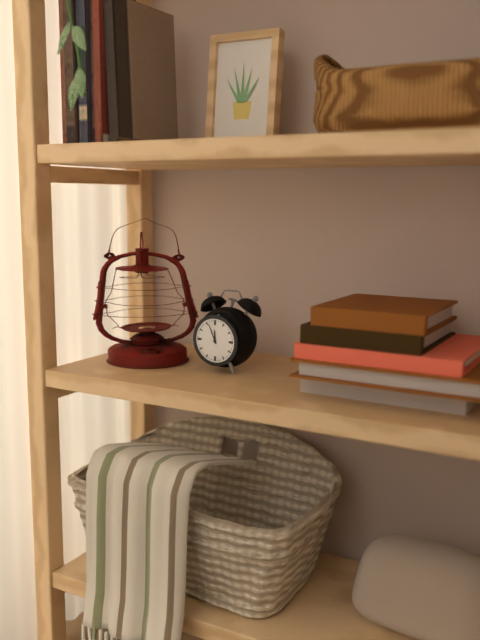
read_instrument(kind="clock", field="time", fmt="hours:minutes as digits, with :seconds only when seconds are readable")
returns 11:56
